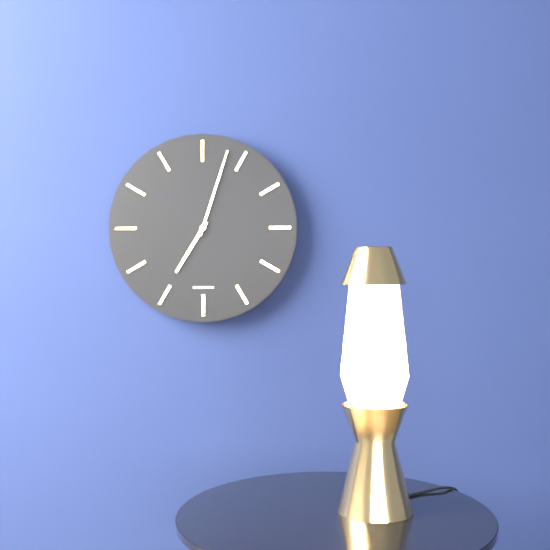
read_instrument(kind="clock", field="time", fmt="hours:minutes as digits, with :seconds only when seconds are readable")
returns 7:03
